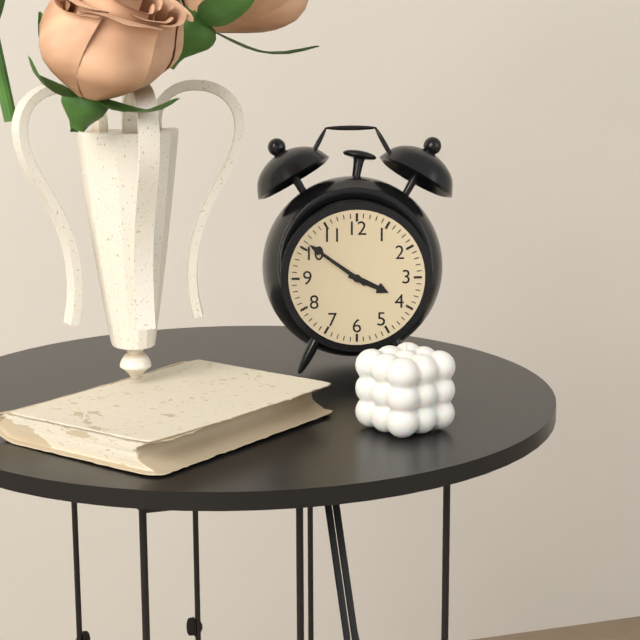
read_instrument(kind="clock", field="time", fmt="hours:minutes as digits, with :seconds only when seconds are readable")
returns 3:51
